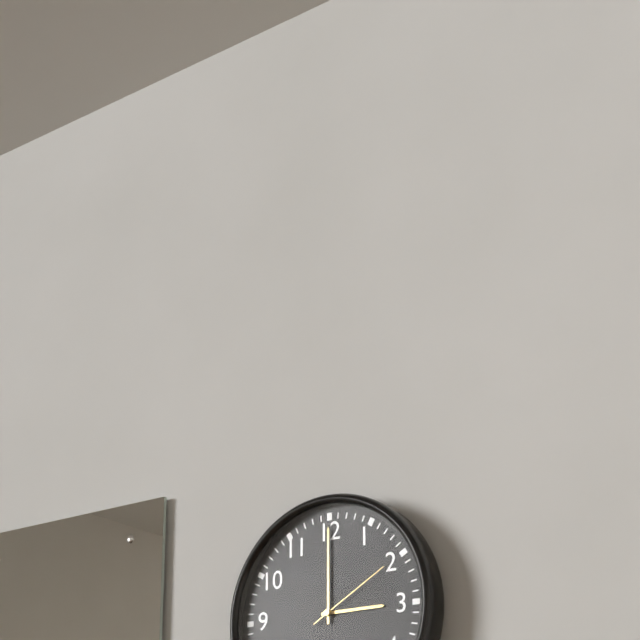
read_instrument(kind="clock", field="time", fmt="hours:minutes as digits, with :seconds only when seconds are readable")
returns 3:00:10
